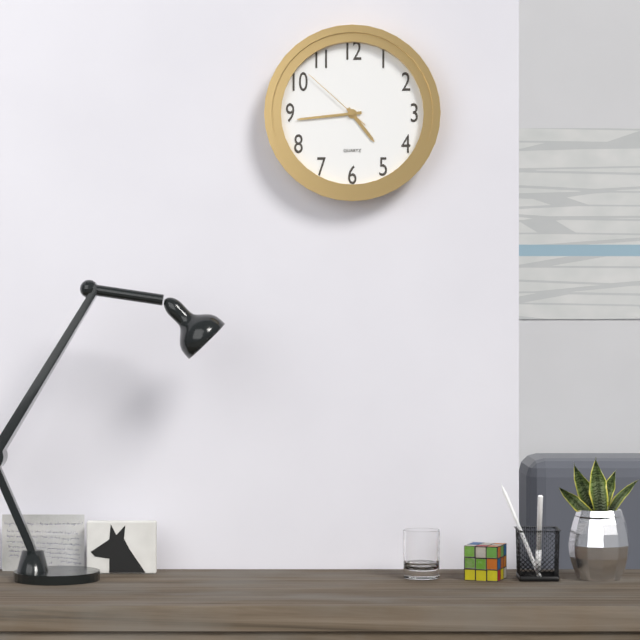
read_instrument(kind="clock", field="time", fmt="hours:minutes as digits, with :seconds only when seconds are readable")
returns 4:44:52
